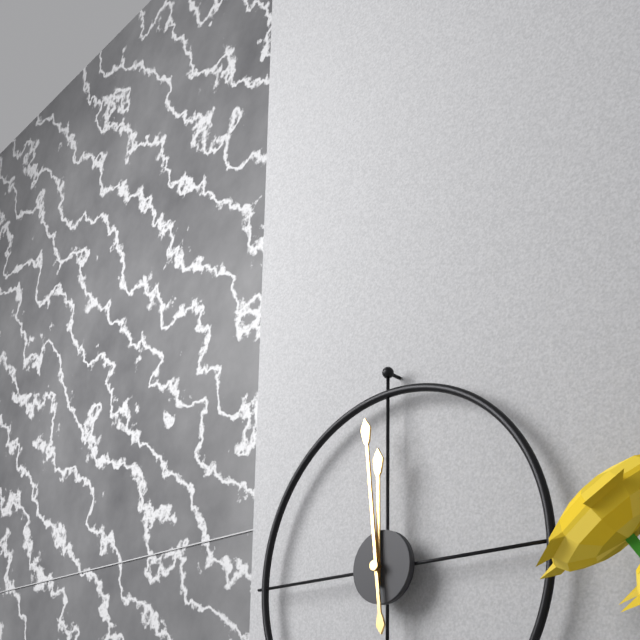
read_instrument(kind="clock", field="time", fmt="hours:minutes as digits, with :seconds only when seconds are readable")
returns 11:59
